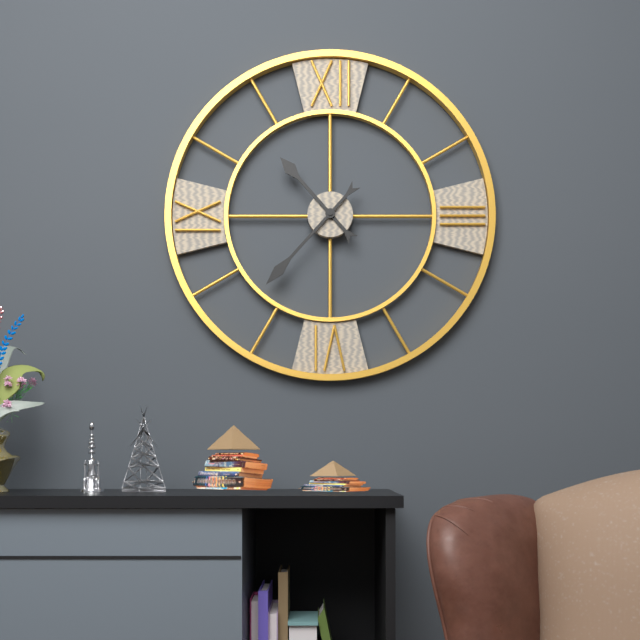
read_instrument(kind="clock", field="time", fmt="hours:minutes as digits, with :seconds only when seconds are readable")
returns 10:37
